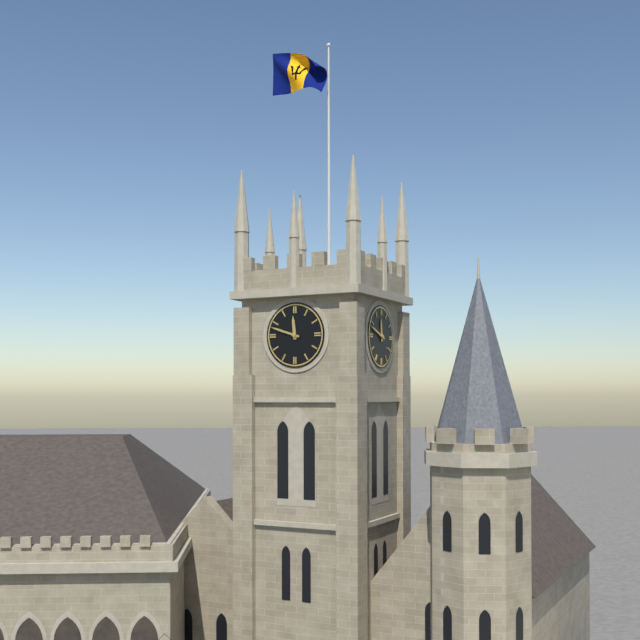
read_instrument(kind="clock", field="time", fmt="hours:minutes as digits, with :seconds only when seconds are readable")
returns 11:48
